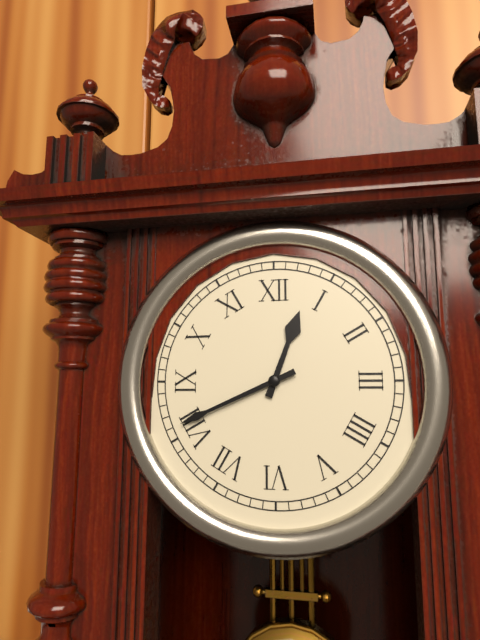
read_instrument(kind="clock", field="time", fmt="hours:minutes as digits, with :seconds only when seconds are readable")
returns 12:41
